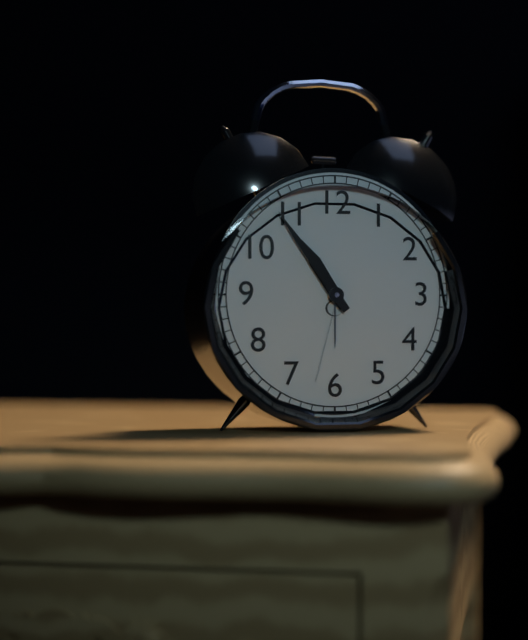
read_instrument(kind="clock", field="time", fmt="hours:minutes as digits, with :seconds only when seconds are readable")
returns 10:54
